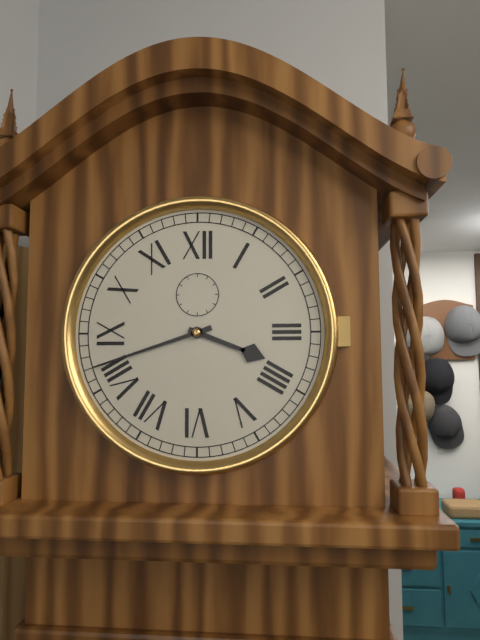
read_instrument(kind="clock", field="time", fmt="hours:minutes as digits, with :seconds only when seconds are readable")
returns 3:42
